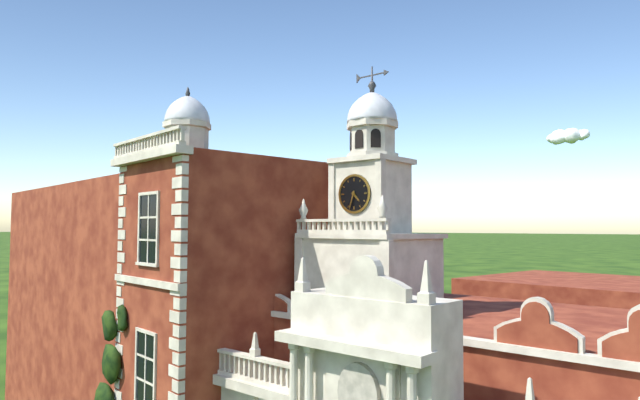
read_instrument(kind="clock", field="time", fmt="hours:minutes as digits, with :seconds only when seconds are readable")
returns 4:33
